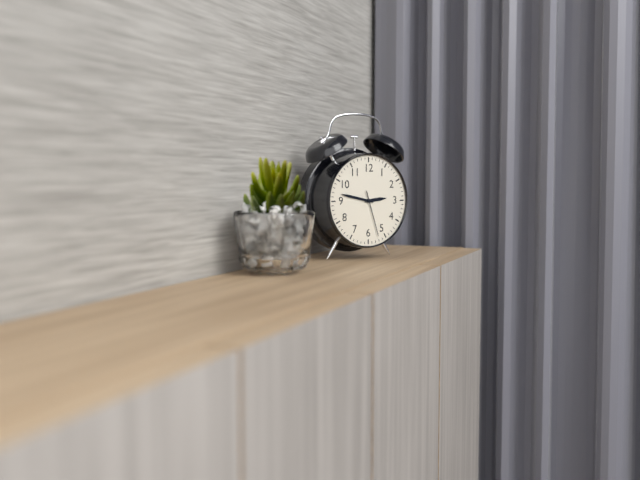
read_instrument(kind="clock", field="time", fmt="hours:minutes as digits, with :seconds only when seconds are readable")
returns 2:47:27
